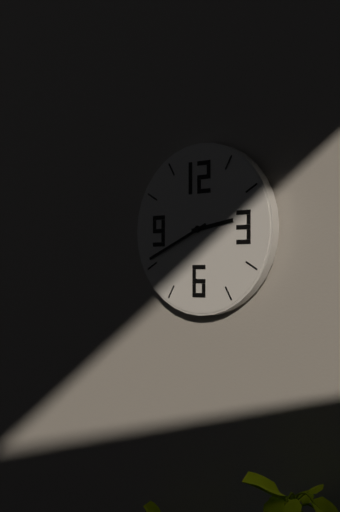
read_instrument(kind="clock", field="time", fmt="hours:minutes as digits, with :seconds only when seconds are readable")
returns 2:41
